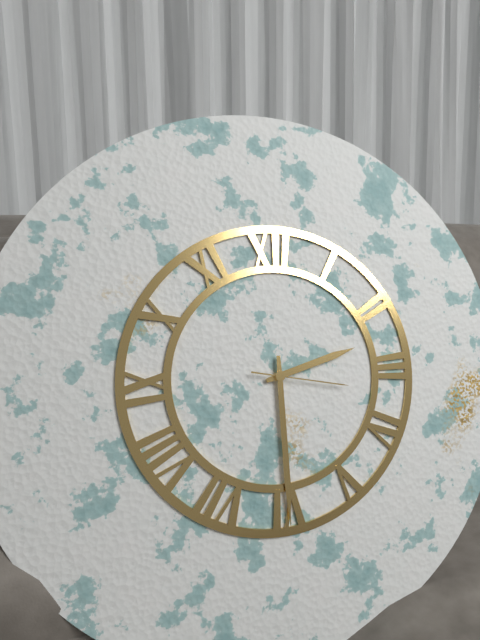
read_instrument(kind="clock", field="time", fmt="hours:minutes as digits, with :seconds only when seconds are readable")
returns 2:30:17
